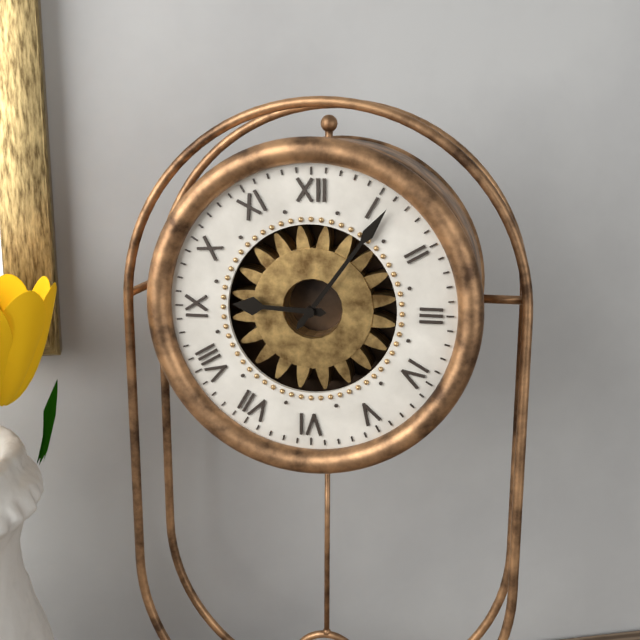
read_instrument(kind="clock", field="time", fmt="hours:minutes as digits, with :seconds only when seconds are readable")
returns 9:06
